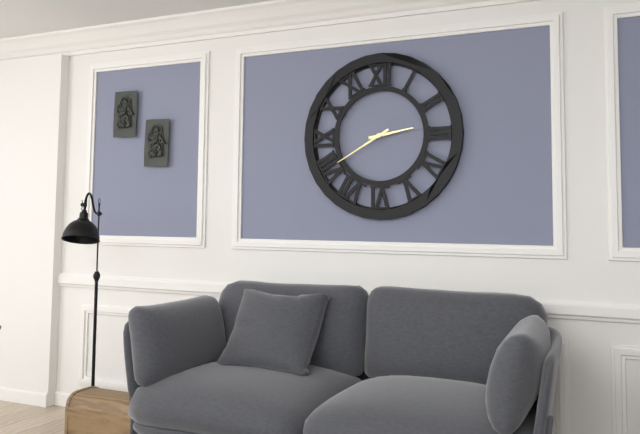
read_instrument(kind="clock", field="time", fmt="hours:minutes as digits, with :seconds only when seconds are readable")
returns 2:40
